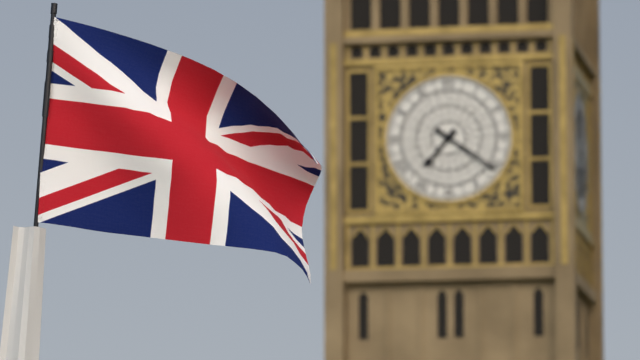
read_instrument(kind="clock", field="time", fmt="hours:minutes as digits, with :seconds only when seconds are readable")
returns 7:21
